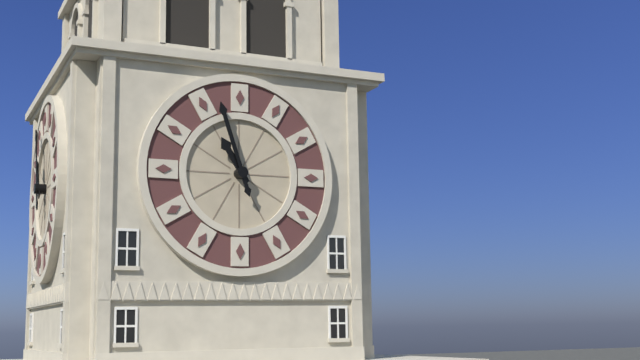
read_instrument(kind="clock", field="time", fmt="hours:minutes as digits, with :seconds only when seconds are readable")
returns 10:57
